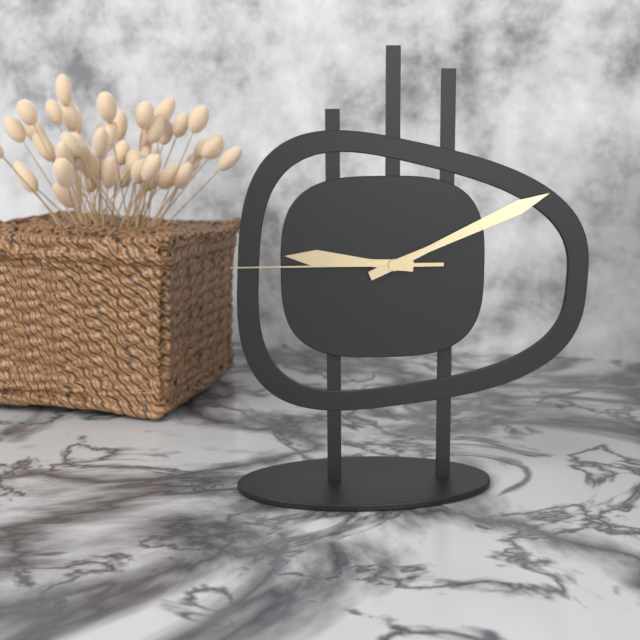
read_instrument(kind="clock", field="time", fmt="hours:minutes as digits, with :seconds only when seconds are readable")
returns 9:11:45
